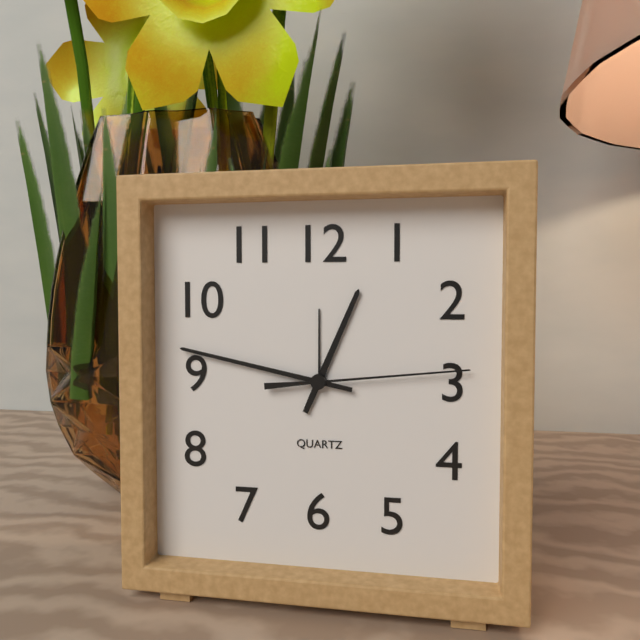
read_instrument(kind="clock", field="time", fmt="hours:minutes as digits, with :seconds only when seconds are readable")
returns 12:47:14
